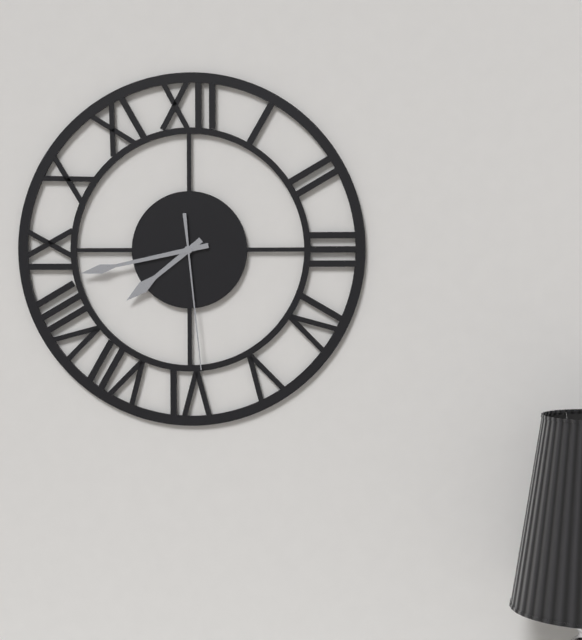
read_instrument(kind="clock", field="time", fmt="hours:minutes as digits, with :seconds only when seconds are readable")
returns 7:43:29
